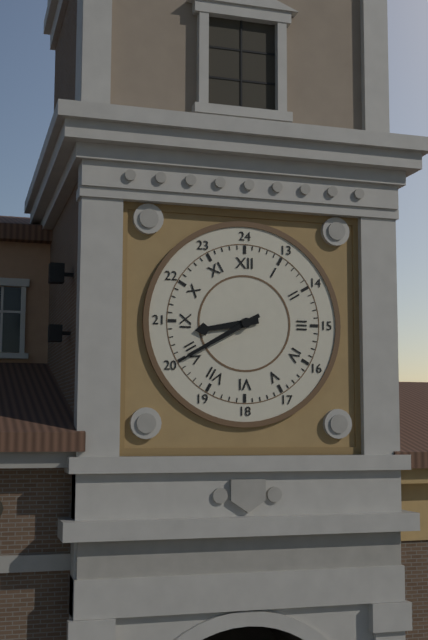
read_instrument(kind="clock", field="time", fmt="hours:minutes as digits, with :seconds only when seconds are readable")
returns 8:40
